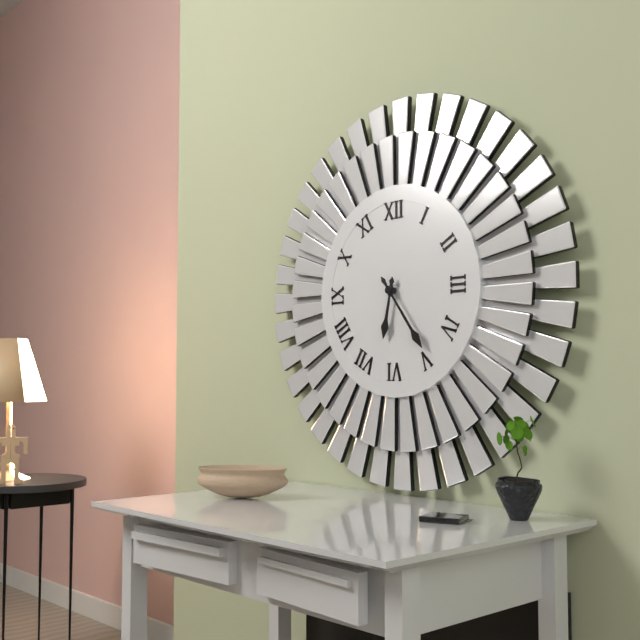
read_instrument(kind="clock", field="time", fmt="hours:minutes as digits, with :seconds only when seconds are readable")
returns 6:24
